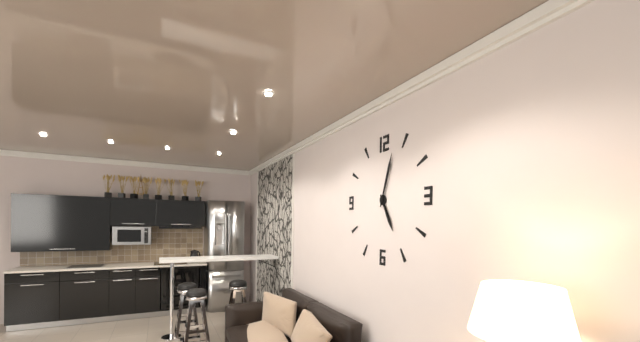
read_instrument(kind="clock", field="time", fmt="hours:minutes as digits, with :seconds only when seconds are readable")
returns 5:03
